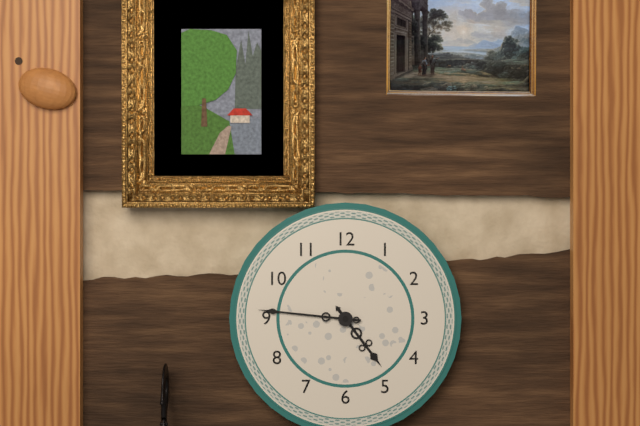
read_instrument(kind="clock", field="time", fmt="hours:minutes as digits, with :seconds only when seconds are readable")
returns 4:46
